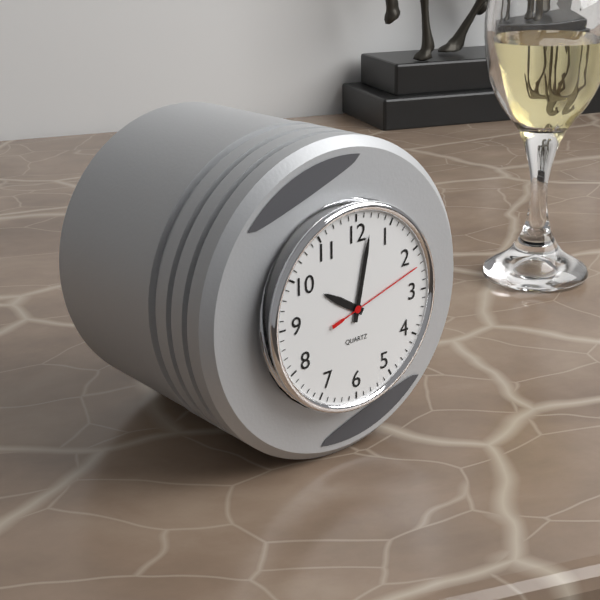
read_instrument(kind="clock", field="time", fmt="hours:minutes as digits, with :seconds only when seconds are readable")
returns 10:02:12
